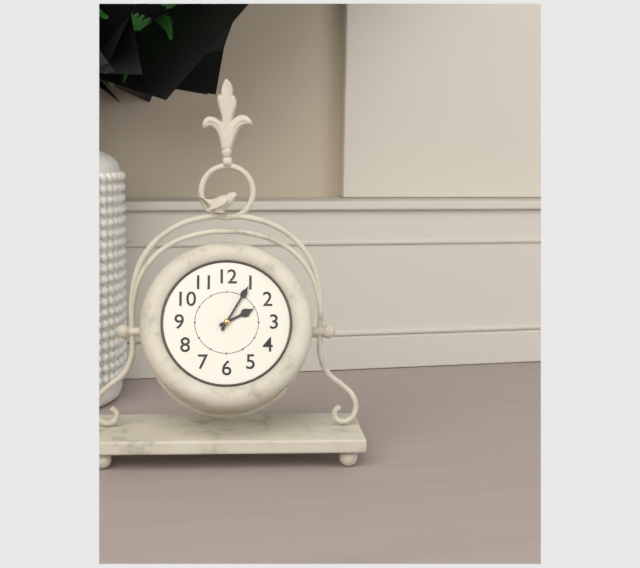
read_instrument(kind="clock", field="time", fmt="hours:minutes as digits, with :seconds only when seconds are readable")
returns 2:05
